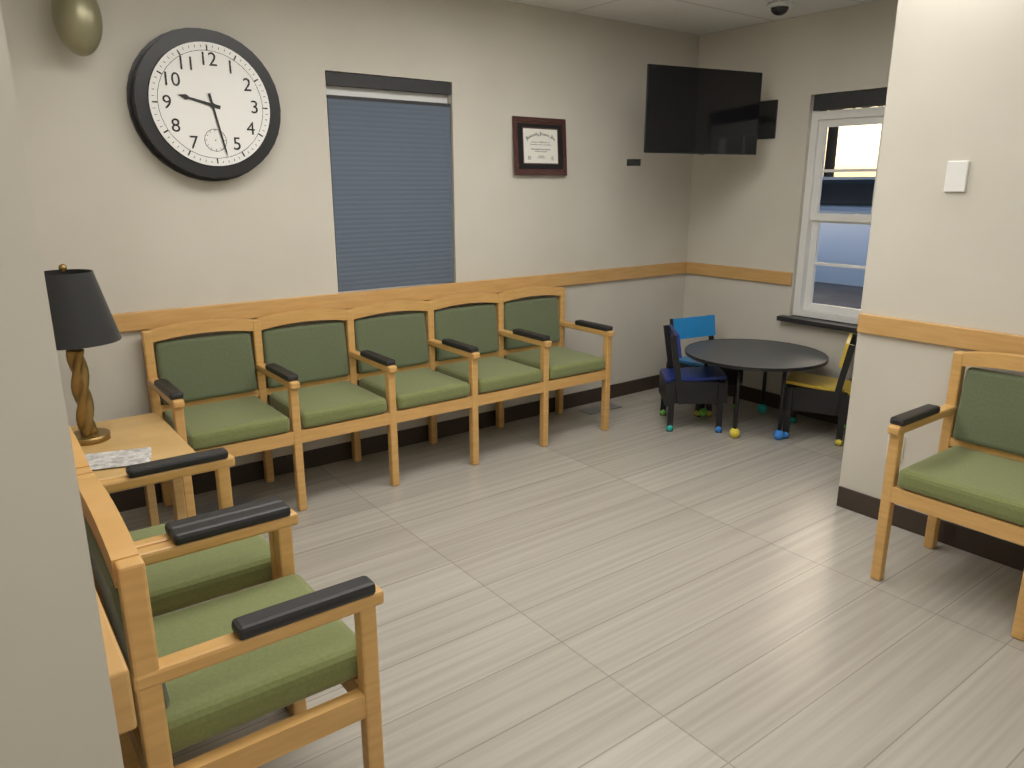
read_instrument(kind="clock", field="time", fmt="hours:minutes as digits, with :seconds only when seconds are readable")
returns 9:28
